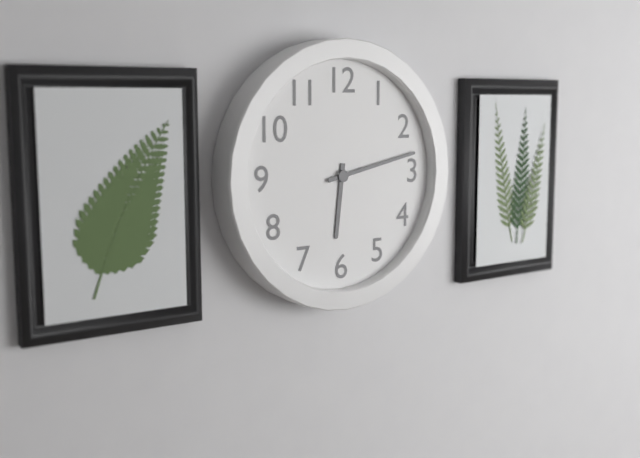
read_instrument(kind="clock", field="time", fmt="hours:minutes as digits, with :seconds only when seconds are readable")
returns 6:13
